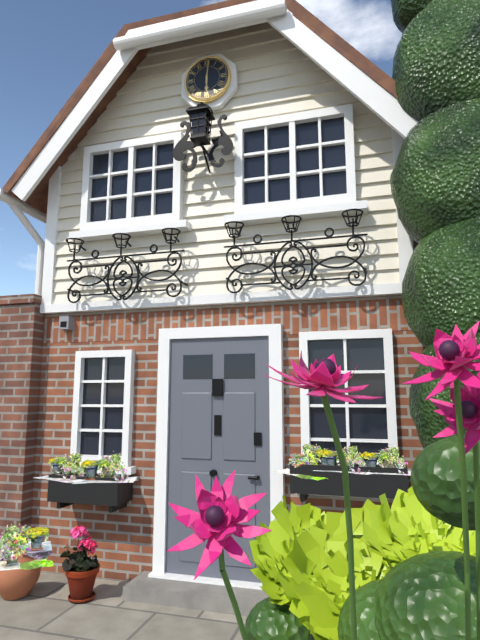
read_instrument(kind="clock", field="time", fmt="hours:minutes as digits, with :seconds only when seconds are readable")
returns 6:01
